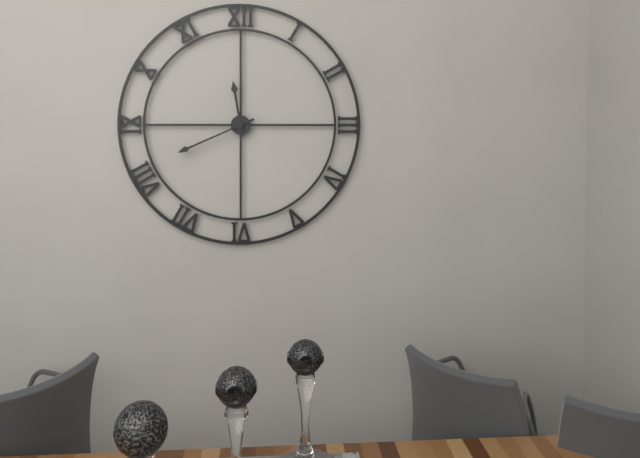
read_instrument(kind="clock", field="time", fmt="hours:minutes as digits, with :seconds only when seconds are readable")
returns 11:41
